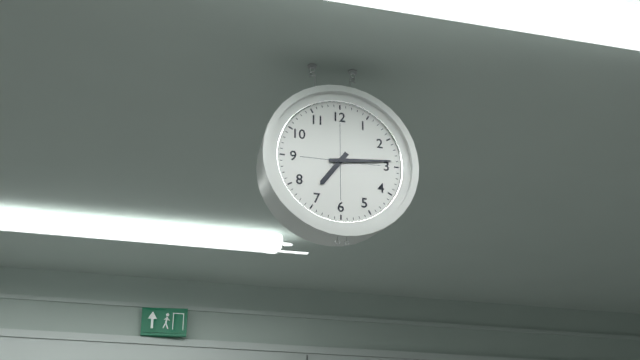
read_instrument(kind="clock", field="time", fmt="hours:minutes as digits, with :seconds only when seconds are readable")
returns 7:14
